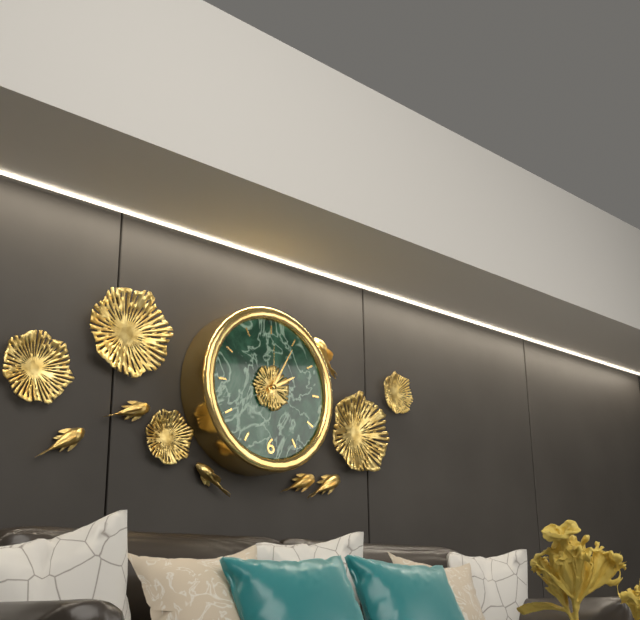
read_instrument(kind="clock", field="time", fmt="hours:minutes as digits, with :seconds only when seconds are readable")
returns 2:05:00
